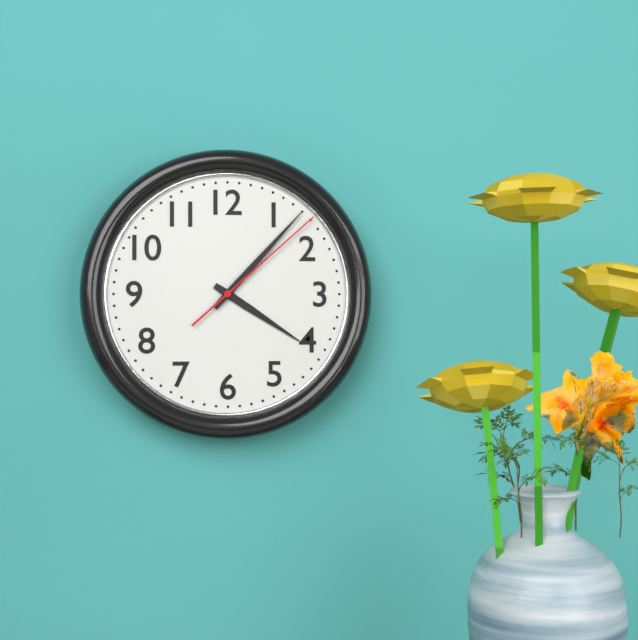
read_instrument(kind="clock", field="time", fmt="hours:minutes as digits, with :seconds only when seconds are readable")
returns 4:07:08
